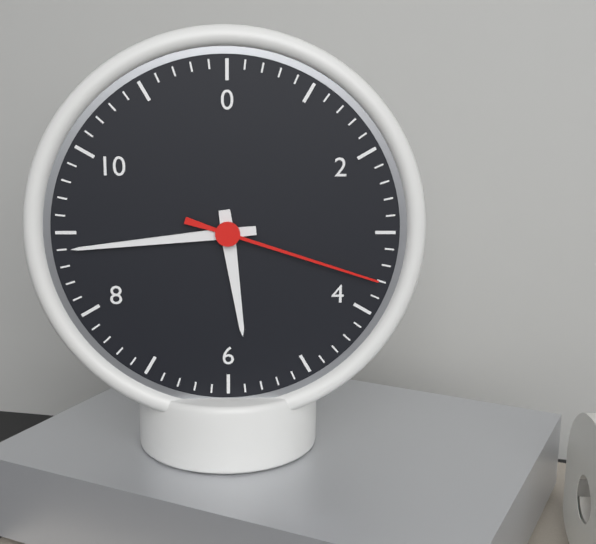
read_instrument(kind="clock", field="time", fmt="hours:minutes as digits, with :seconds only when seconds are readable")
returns 5:44:18
